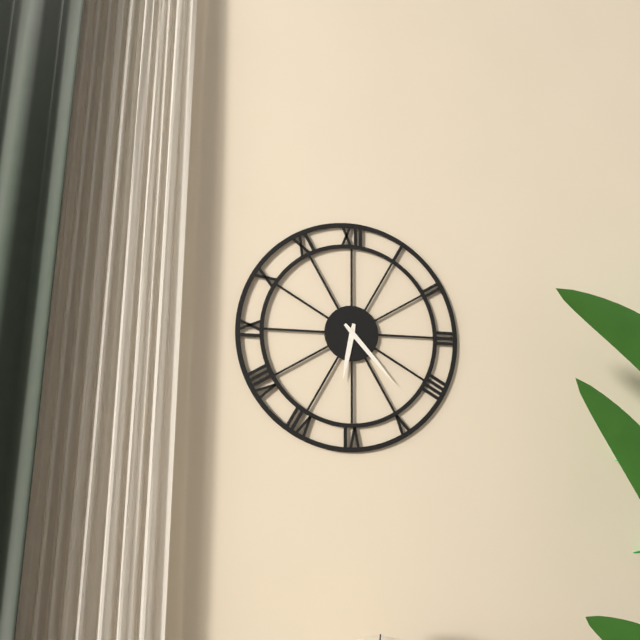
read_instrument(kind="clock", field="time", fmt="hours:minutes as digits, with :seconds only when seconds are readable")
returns 6:23
